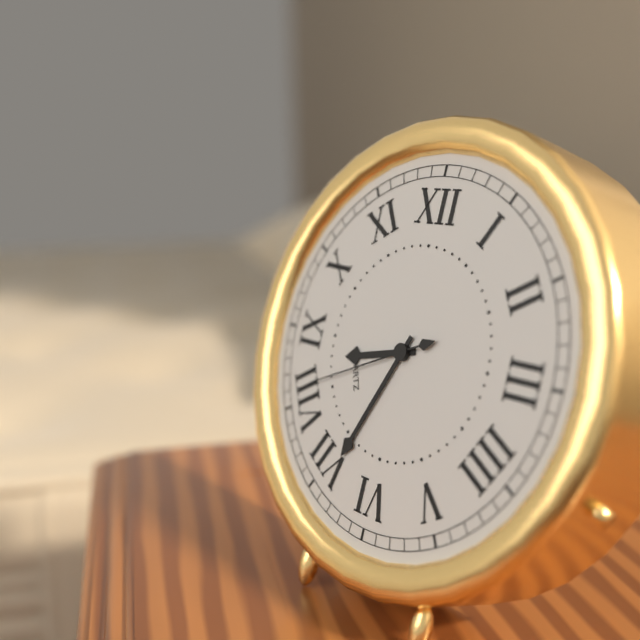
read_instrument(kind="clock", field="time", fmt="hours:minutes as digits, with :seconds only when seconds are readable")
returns 8:34:41
